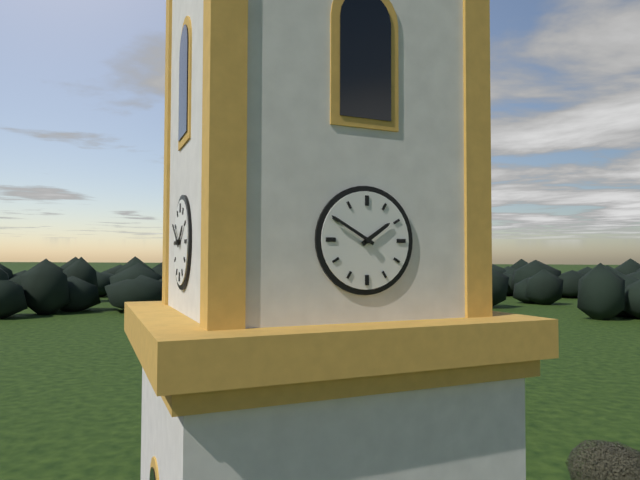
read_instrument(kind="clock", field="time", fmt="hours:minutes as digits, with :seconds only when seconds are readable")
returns 1:50
